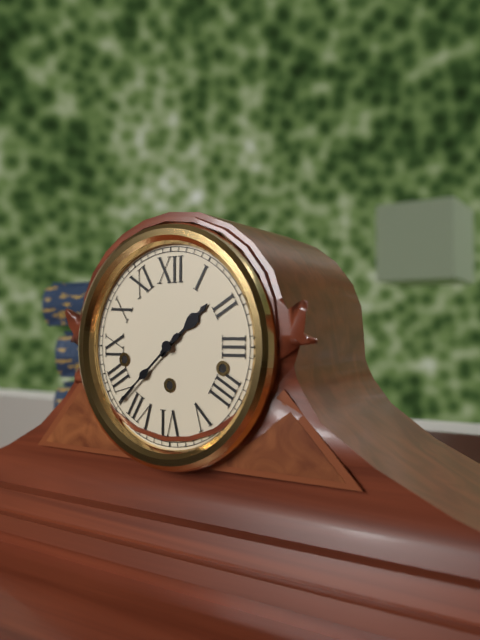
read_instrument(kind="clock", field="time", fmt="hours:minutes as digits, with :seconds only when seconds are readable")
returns 1:38
